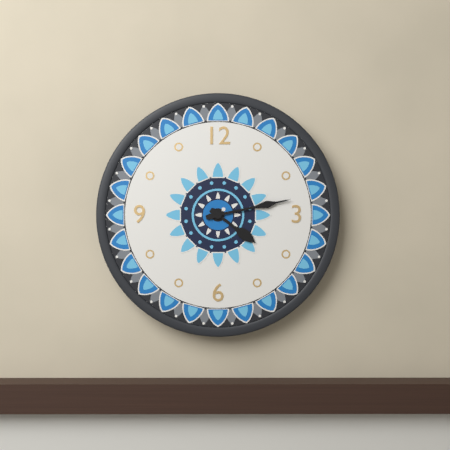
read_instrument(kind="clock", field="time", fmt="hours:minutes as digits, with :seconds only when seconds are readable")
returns 4:13
